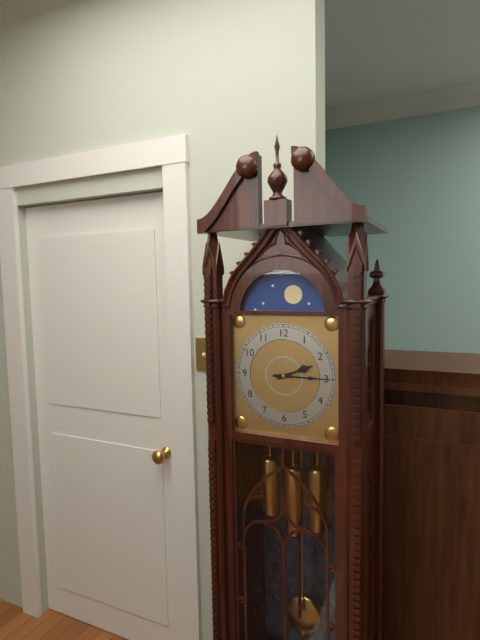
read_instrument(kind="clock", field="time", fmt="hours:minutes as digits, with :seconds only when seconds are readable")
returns 2:15
